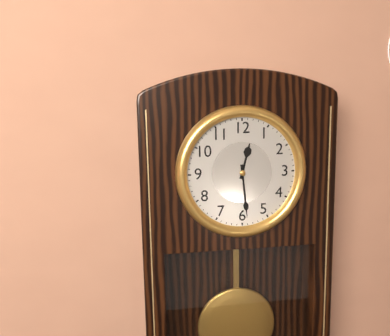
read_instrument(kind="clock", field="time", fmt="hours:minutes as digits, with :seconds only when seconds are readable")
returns 12:29
